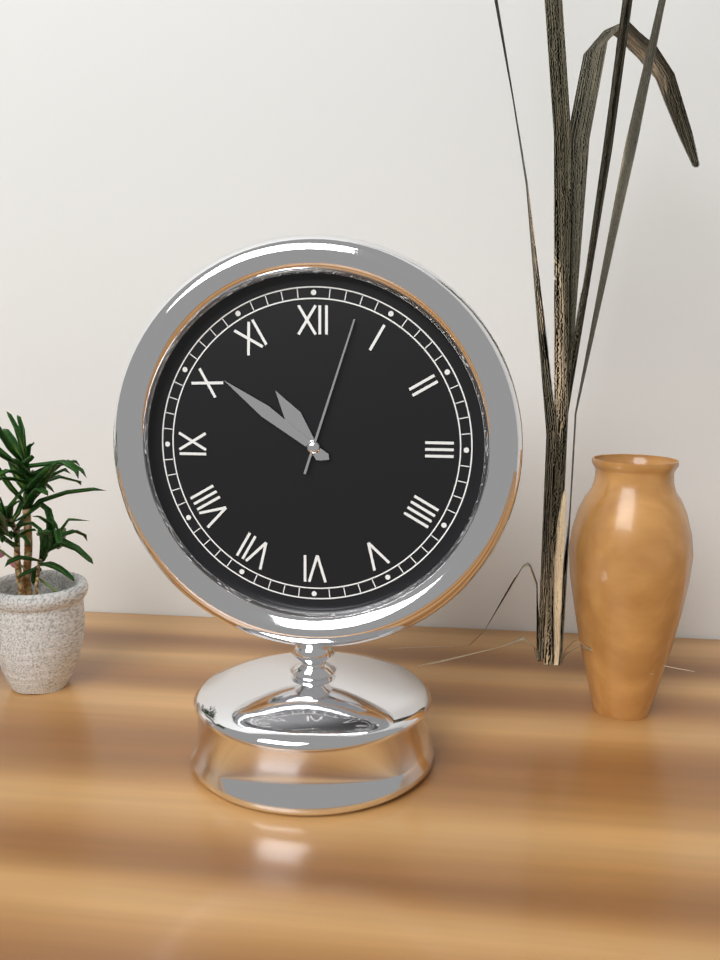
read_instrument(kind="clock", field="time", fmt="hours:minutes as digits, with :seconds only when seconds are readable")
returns 10:51:03
